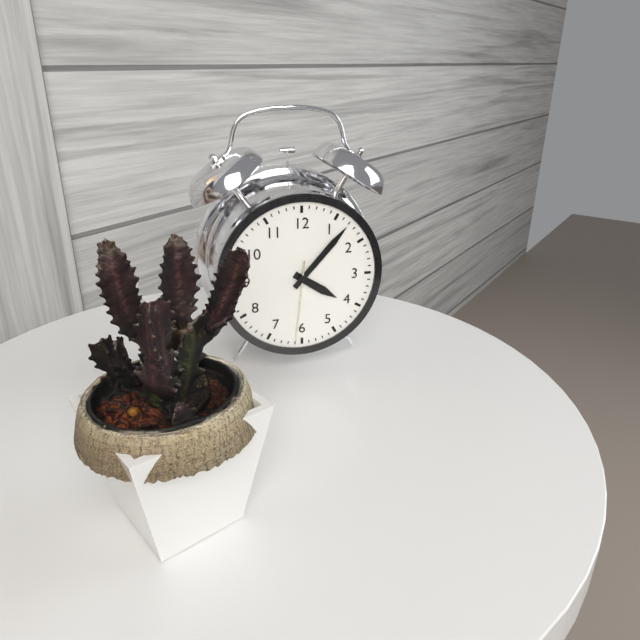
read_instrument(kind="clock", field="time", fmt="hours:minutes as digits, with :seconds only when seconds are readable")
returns 4:07:31
